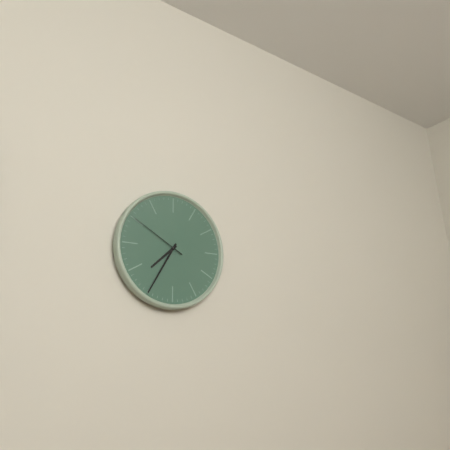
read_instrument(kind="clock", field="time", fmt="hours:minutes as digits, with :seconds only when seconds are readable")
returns 7:35:50
